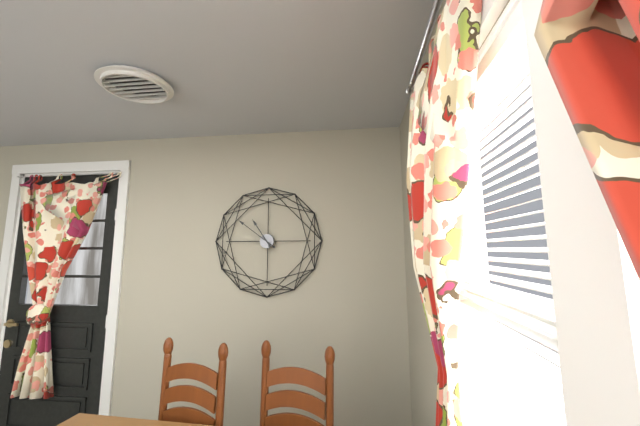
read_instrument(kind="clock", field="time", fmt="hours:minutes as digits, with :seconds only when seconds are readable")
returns 10:51
